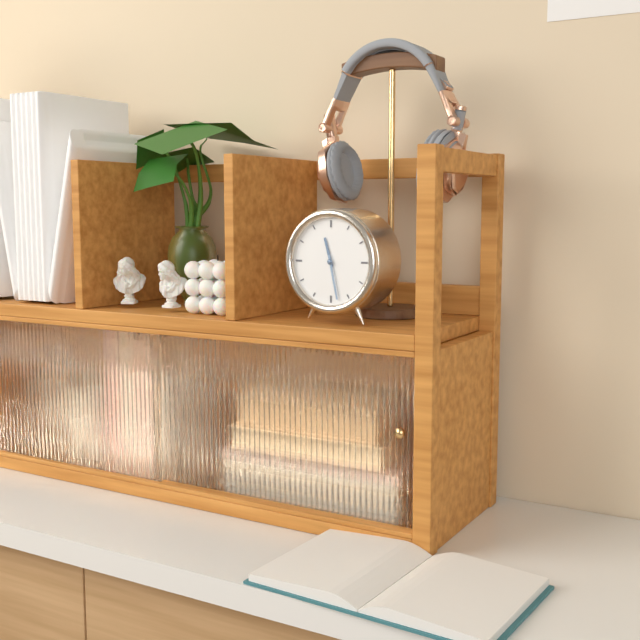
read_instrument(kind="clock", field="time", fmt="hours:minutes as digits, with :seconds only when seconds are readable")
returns 11:28
